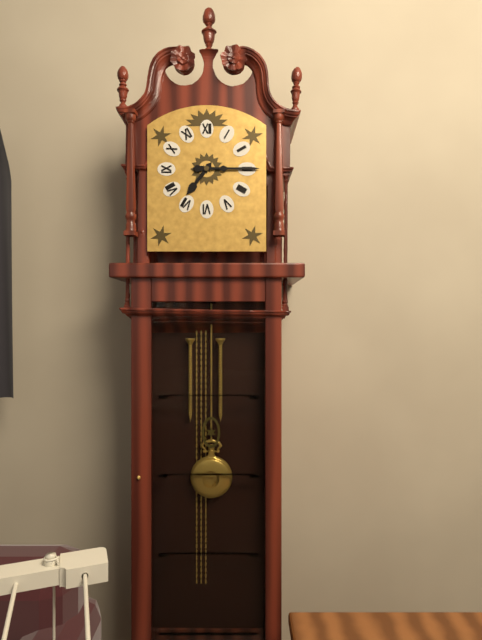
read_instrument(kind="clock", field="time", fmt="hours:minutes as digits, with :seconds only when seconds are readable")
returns 7:15
